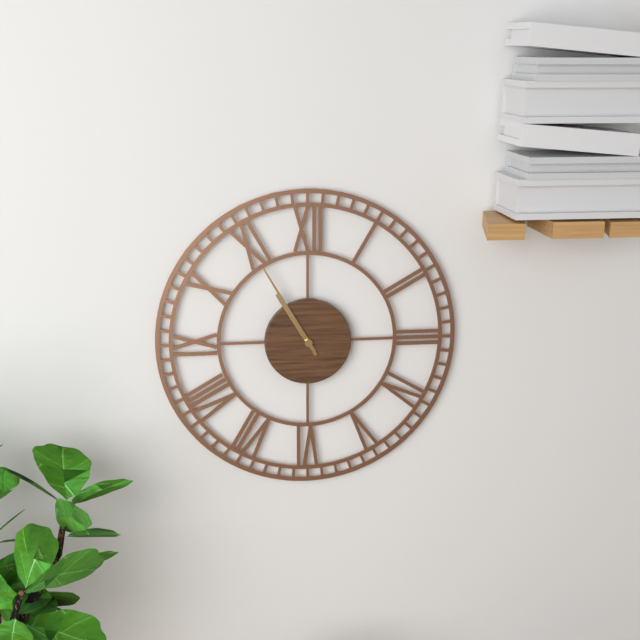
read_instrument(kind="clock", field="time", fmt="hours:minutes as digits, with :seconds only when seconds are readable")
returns 10:55
